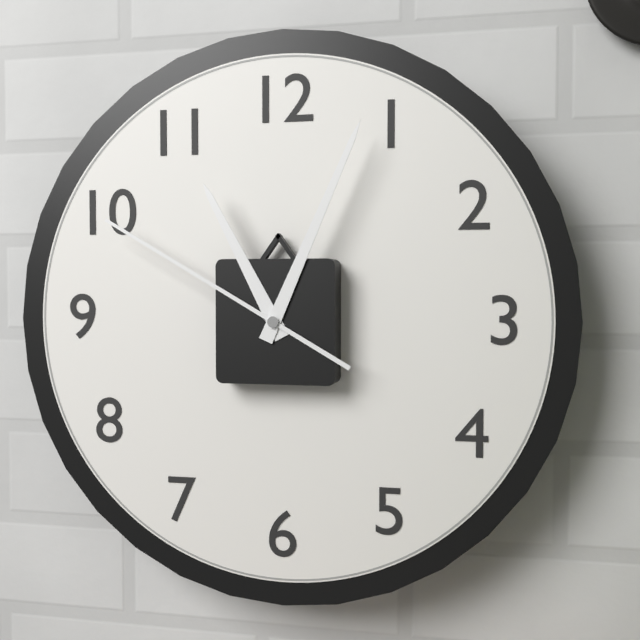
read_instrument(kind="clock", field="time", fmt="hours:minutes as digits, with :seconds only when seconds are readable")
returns 11:04:50
